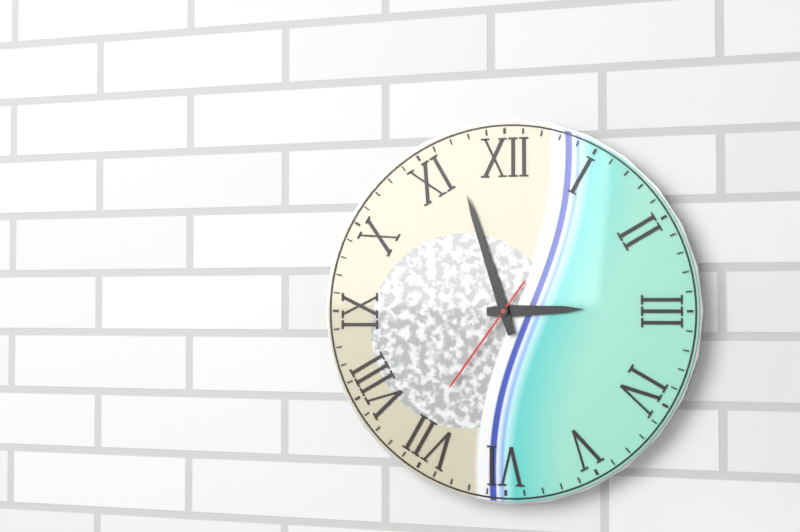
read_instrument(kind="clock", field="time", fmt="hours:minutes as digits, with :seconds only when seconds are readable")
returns 2:57:36
